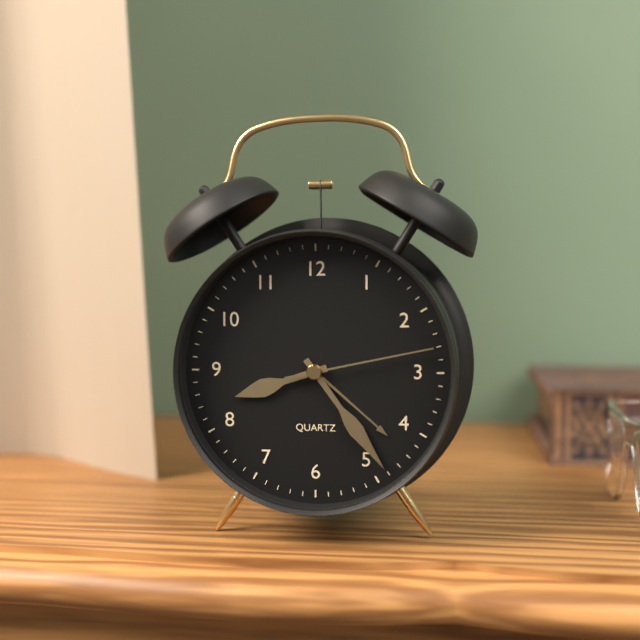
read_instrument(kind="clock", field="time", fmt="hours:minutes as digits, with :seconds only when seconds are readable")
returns 8:24:13
